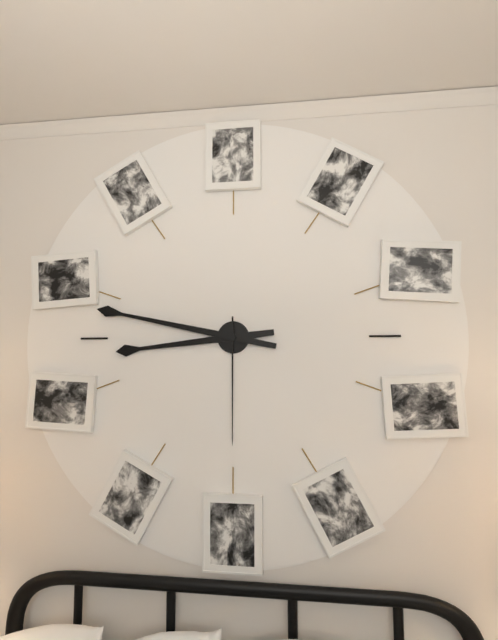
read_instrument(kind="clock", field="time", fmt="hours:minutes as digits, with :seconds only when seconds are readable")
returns 8:47:30
